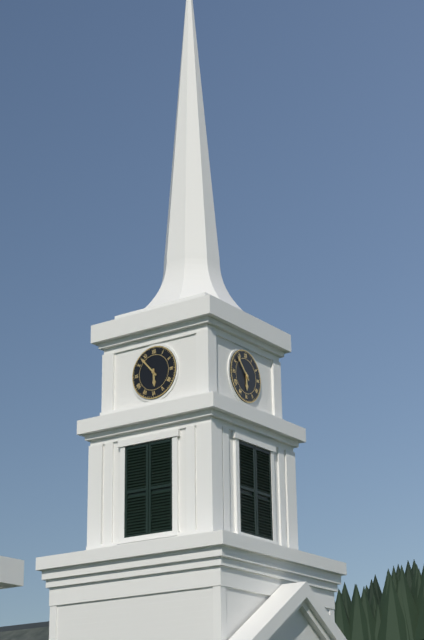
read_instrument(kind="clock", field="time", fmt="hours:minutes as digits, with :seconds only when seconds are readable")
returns 5:53
